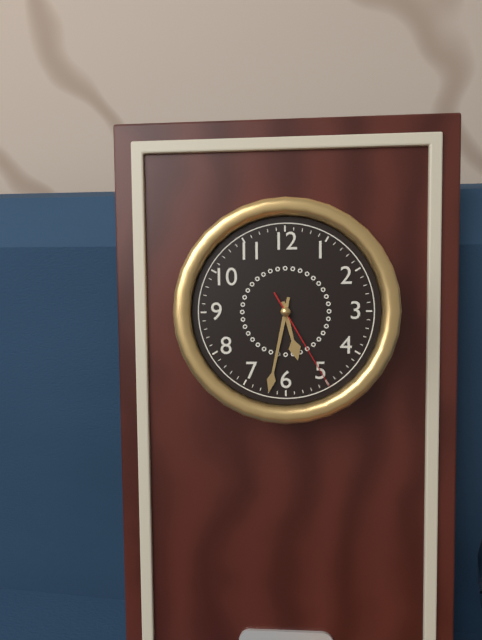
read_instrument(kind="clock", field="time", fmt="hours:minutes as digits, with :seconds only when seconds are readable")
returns 5:32:25
